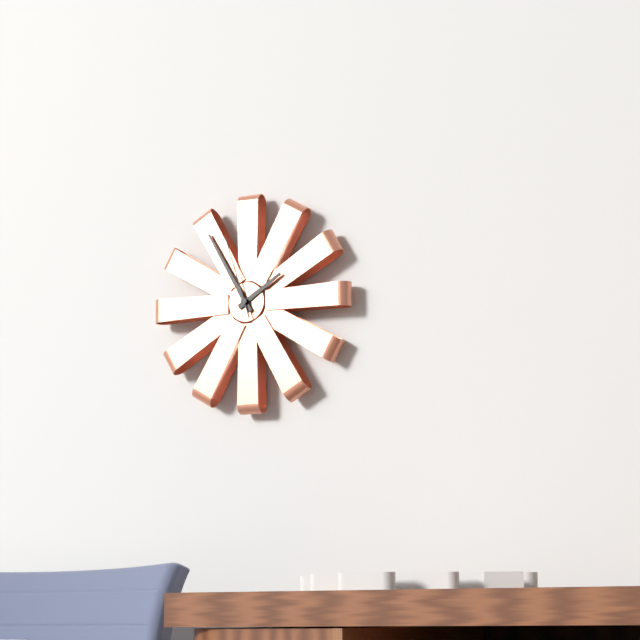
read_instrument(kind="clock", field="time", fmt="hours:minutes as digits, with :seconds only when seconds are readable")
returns 1:55:57
